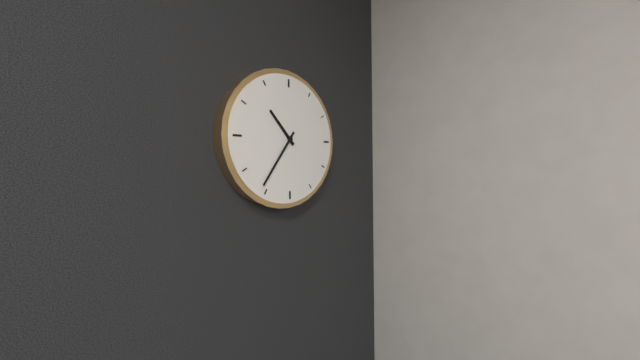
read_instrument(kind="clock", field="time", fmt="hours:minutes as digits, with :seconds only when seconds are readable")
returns 10:36
